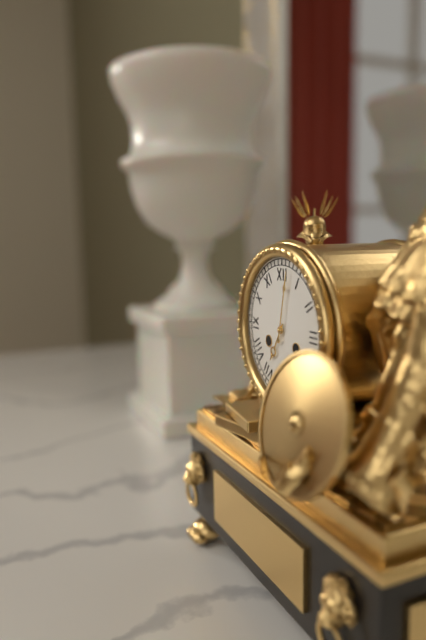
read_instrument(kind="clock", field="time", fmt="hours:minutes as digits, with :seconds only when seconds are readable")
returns 7:02
